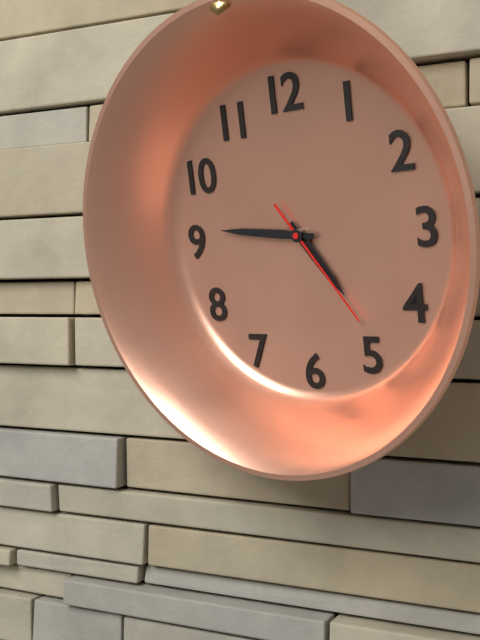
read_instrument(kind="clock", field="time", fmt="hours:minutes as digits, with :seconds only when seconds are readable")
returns 4:46:24
